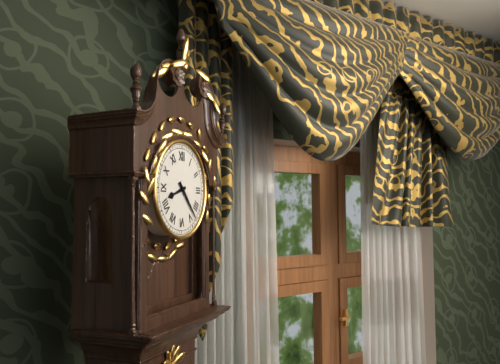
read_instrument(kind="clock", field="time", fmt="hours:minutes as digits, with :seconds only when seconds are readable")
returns 8:23
